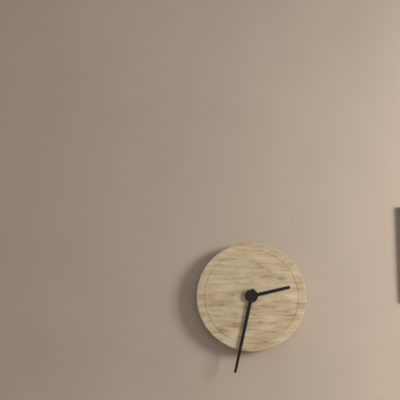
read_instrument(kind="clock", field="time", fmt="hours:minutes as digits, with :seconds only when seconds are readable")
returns 2:32
